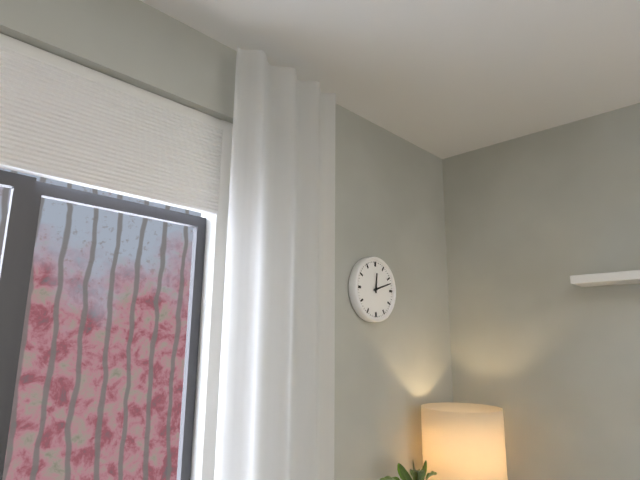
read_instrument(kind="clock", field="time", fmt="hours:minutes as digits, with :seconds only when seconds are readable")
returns 12:12
